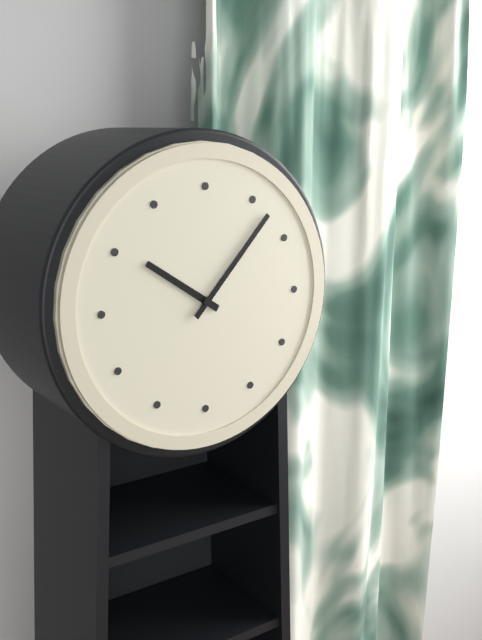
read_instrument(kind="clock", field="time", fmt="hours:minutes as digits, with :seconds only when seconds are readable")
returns 10:07
